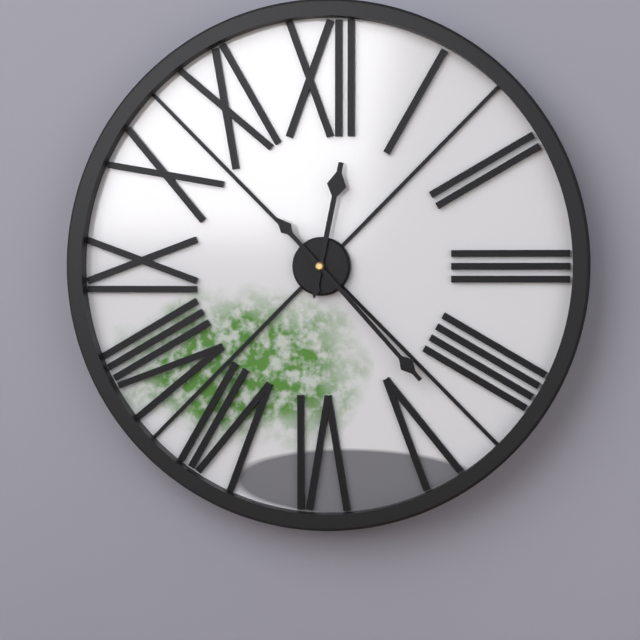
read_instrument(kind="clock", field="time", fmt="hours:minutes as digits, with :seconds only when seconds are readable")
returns 12:23
